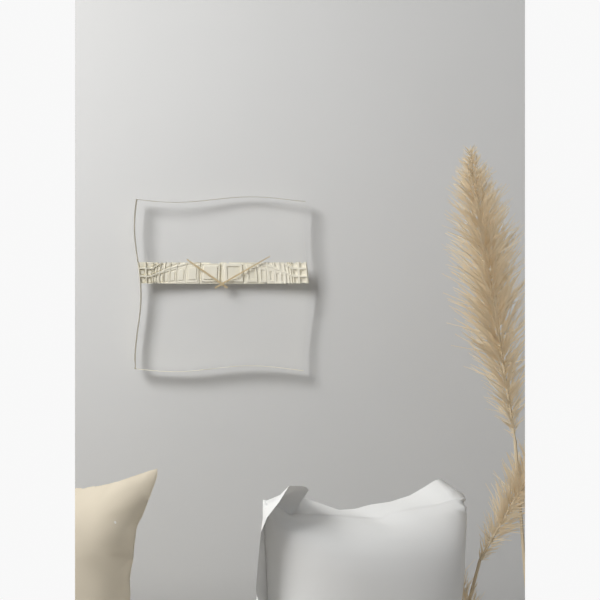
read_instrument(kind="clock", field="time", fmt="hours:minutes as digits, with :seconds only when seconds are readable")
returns 10:10
